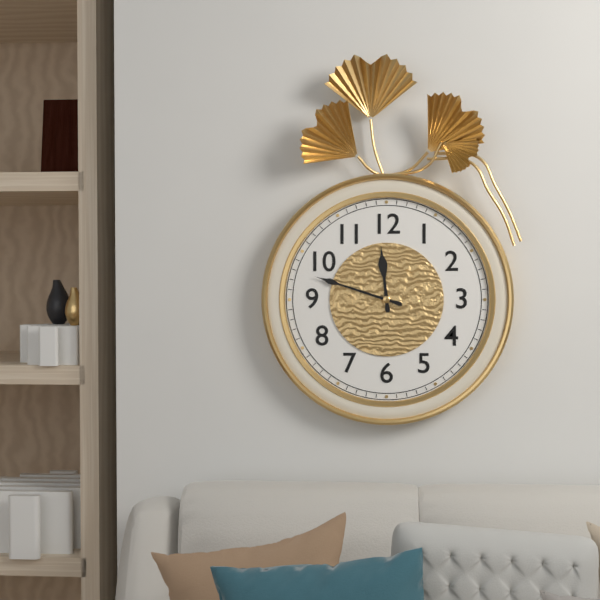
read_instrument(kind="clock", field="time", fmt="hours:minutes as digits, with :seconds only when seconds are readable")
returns 11:48
